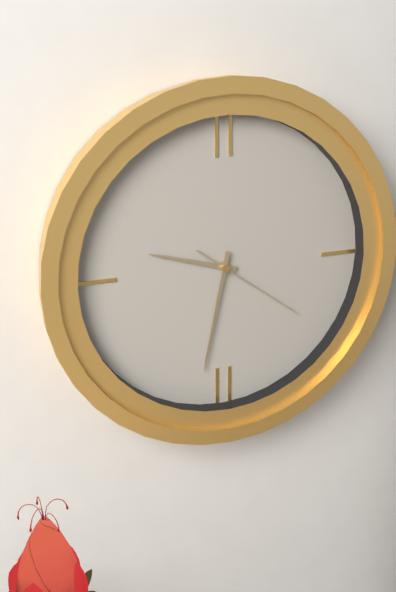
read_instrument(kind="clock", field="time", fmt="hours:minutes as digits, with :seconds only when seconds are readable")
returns 9:32:21
